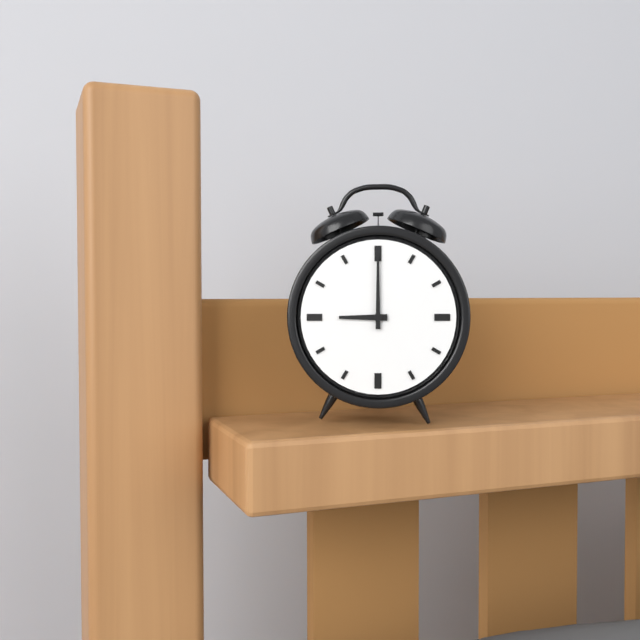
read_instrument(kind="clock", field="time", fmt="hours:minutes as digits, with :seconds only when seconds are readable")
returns 9:00
